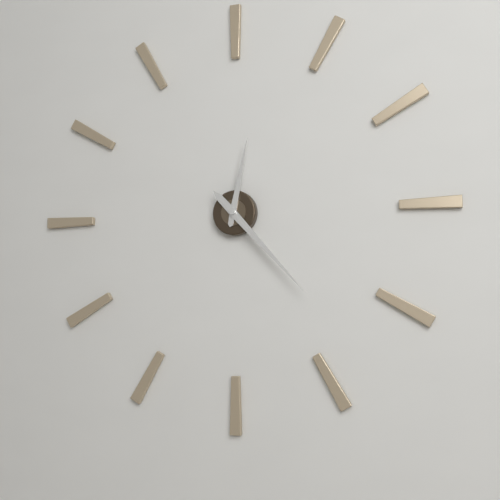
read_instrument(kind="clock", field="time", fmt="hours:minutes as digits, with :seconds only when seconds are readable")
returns 12:23
